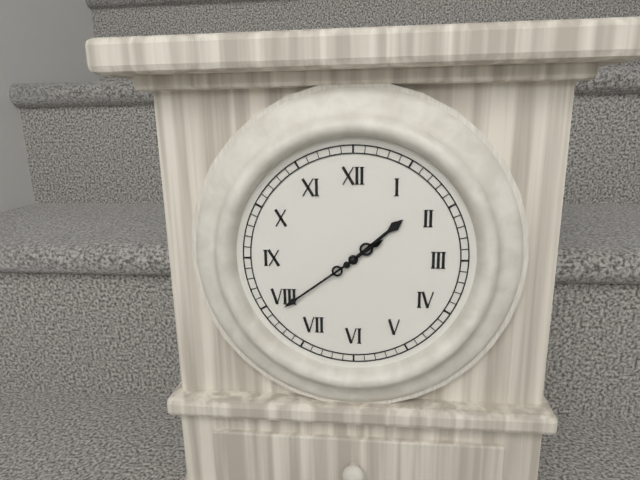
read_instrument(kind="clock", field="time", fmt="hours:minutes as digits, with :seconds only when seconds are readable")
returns 1:39
